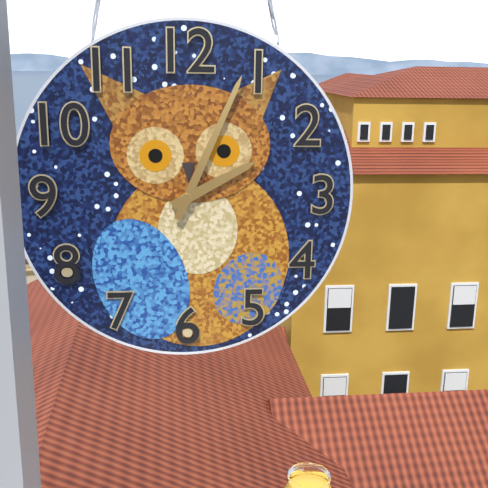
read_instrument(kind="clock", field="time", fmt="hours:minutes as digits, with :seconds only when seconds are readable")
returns 2:04
